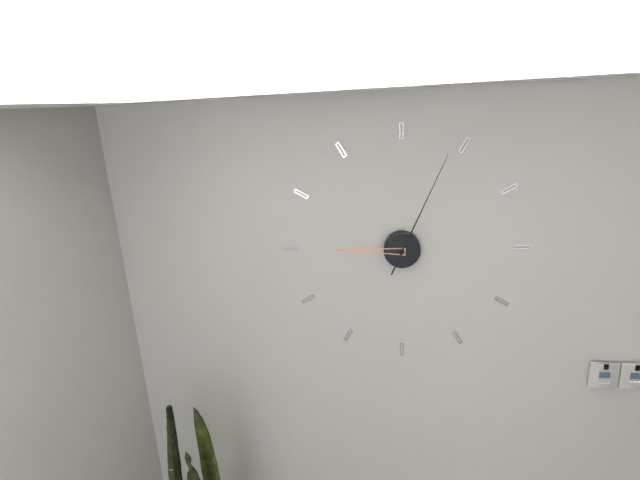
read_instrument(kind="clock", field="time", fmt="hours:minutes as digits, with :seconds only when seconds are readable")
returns 9:04
